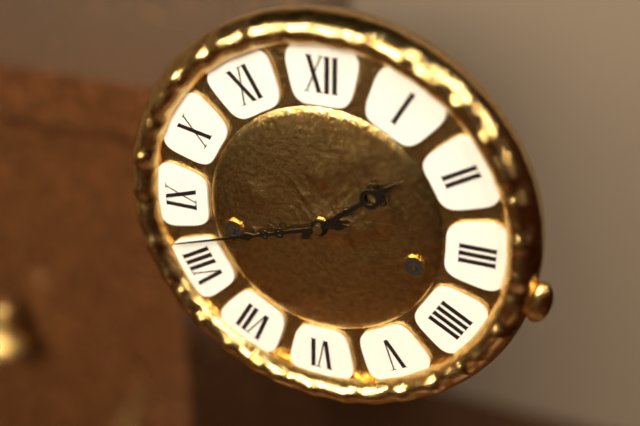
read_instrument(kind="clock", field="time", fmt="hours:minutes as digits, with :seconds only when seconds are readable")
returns 1:42
